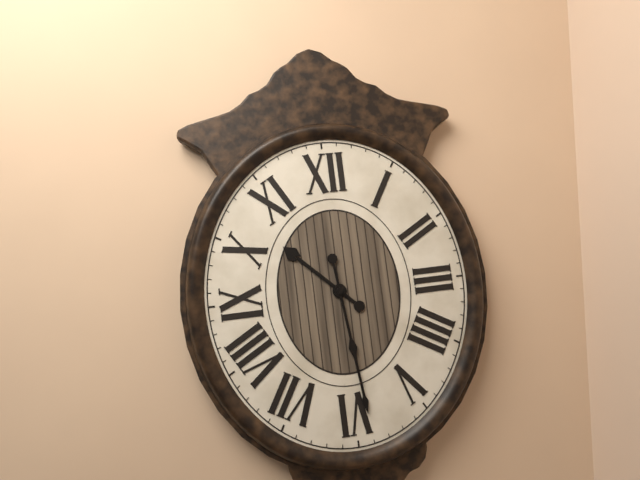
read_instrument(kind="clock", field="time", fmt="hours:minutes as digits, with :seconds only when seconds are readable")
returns 10:29
